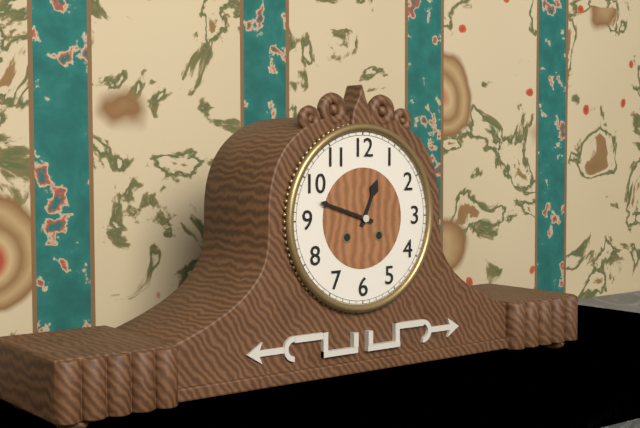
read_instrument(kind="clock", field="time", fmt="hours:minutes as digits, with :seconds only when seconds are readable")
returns 12:48
